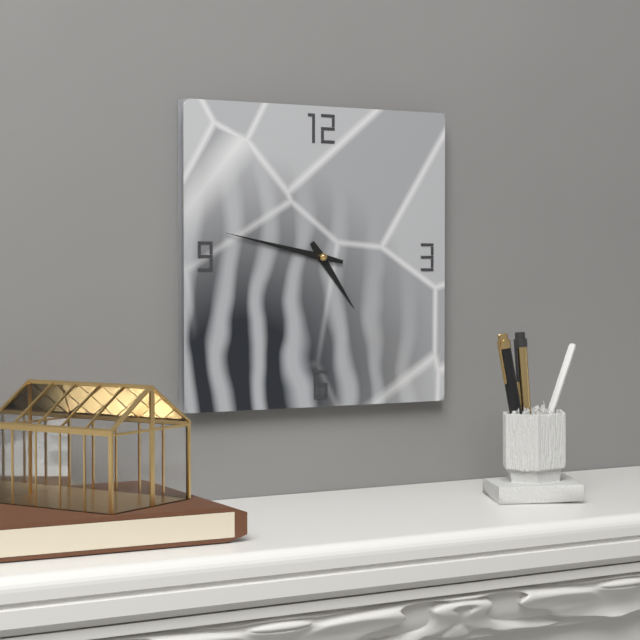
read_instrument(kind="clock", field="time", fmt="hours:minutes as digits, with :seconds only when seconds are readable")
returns 4:47
